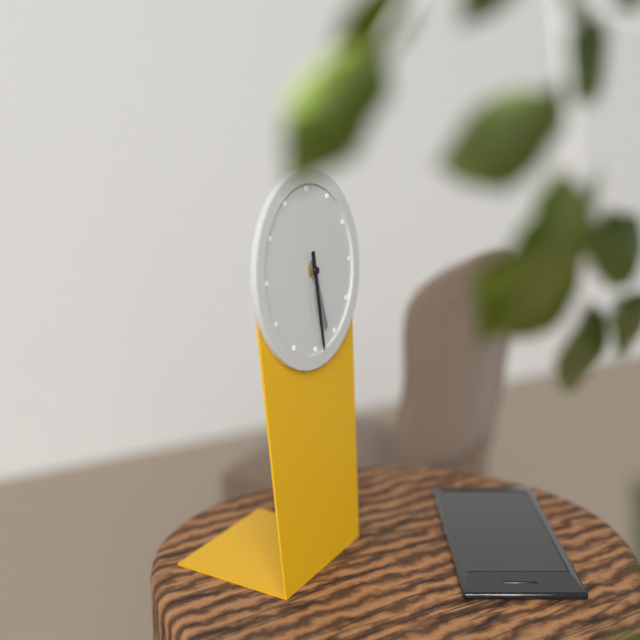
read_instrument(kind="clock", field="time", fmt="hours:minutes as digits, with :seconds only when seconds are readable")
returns 5:29
